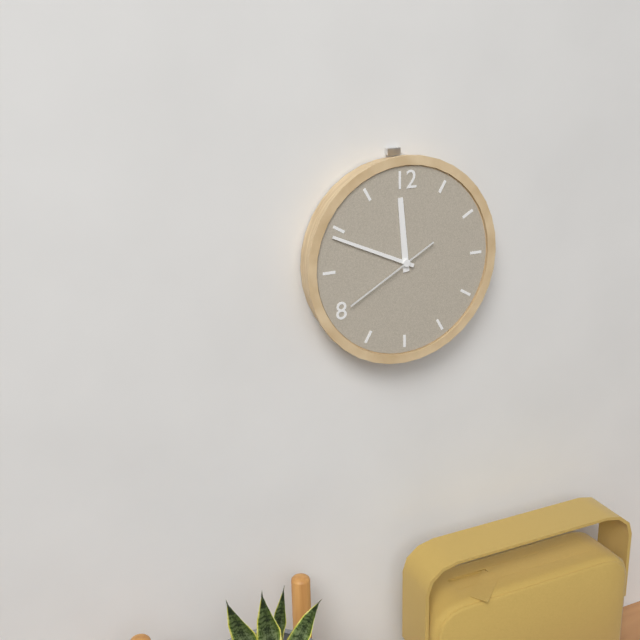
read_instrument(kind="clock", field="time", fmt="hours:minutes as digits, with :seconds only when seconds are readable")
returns 11:49:40
